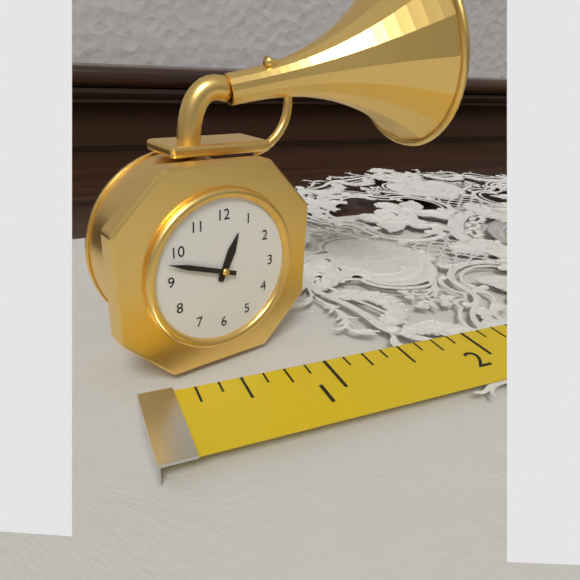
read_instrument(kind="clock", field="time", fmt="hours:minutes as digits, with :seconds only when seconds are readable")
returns 12:48
